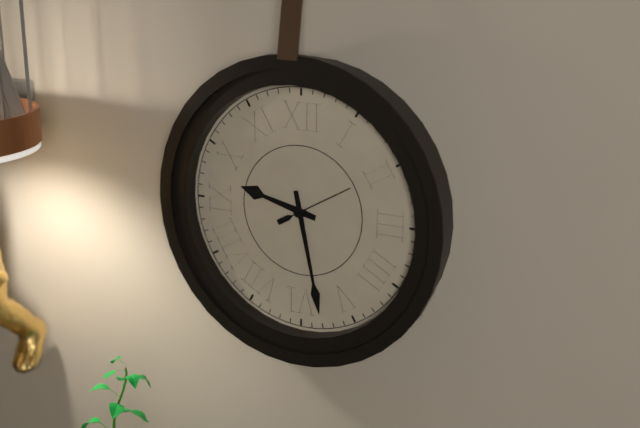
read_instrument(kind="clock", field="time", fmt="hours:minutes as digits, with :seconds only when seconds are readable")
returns 9:28:10
